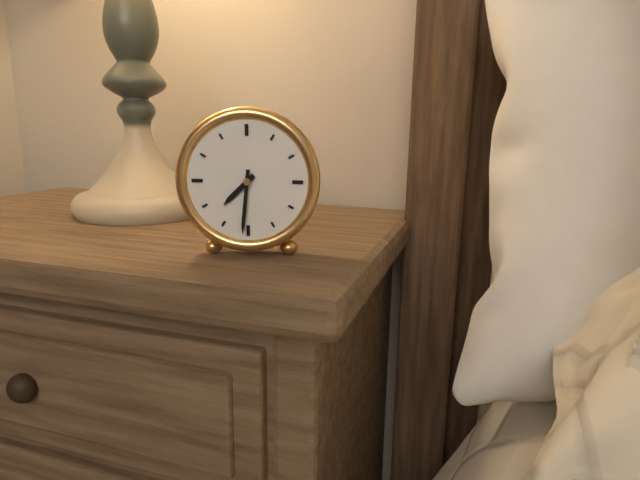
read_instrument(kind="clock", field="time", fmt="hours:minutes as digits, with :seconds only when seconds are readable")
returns 7:31
